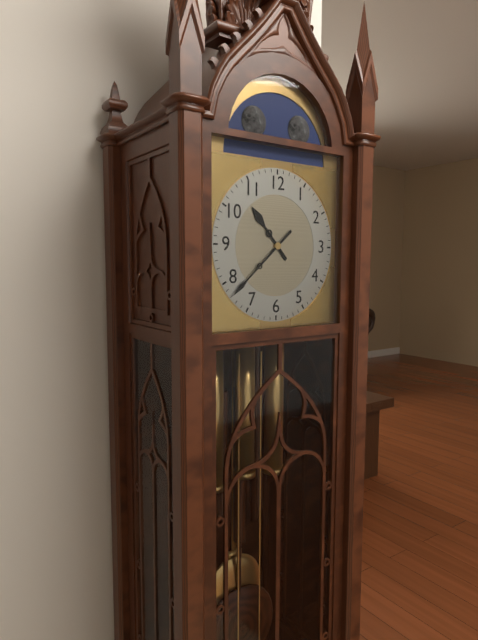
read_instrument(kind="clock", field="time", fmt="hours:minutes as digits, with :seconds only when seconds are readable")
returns 10:38
